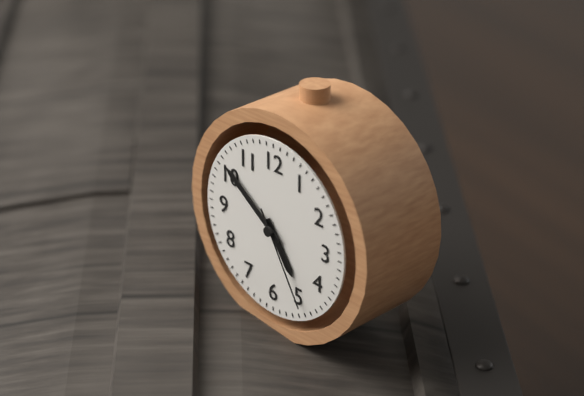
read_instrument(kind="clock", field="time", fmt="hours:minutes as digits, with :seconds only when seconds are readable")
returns 4:51:25
